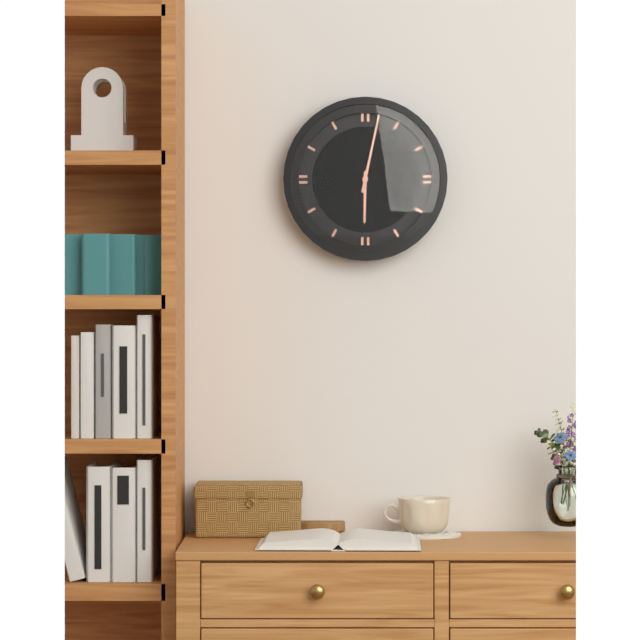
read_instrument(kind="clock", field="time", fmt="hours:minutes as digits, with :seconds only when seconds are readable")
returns 6:02
